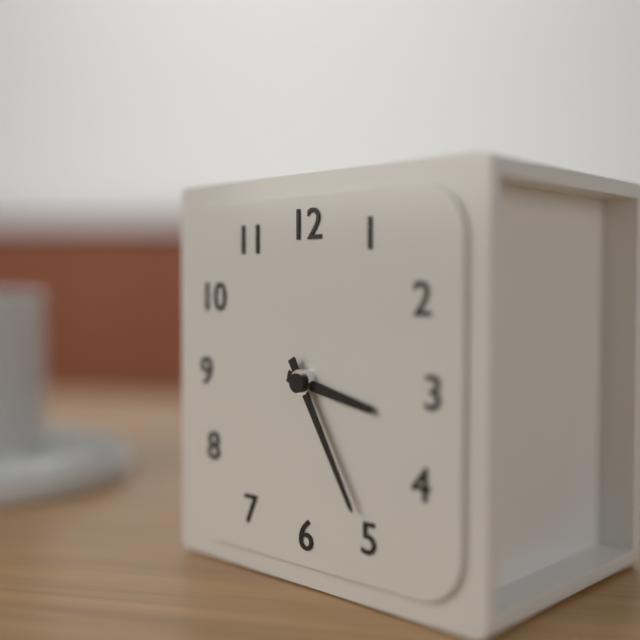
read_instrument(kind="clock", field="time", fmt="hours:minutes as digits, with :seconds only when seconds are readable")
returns 3:25
